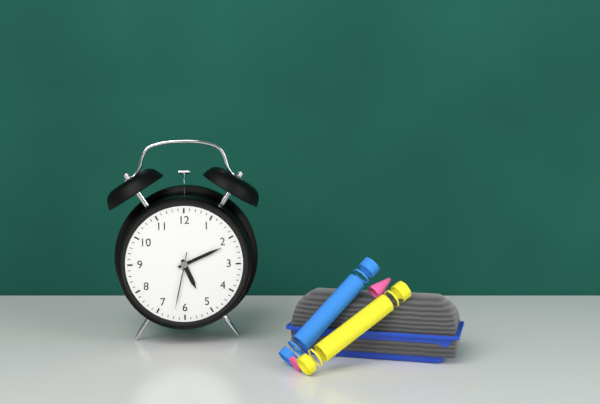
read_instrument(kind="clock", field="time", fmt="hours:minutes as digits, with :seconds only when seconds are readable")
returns 5:11:32
